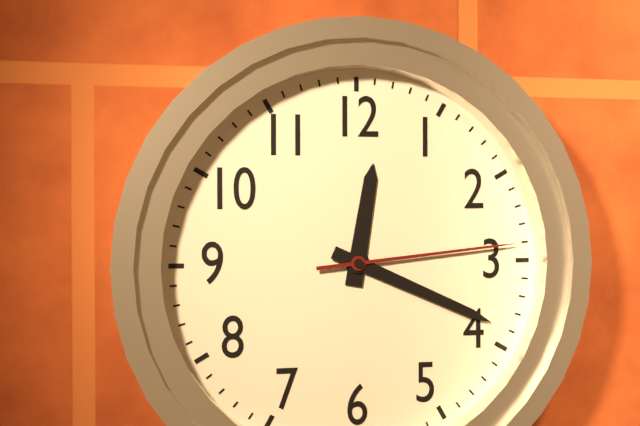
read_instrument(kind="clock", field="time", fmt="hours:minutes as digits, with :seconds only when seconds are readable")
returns 12:19:14
